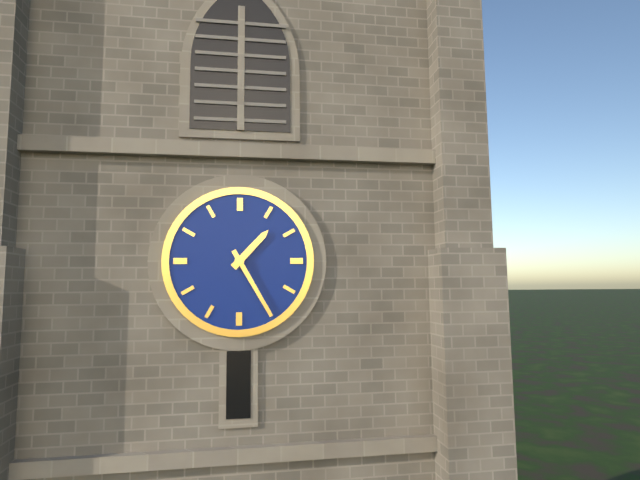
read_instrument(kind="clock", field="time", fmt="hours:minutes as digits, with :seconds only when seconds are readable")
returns 1:25
